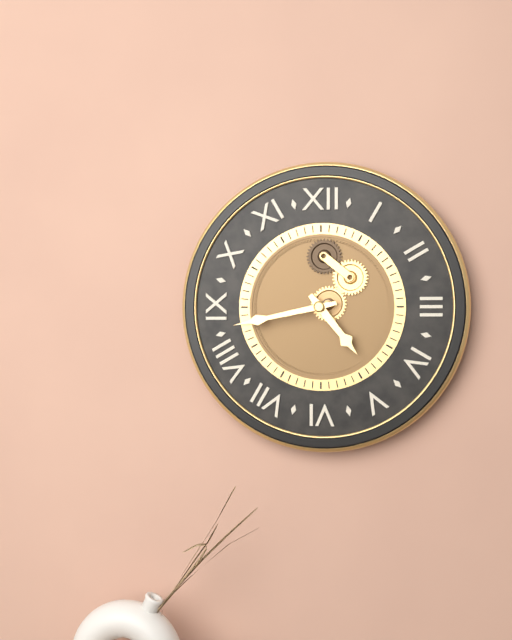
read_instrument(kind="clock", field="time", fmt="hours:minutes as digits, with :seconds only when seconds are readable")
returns 4:43
